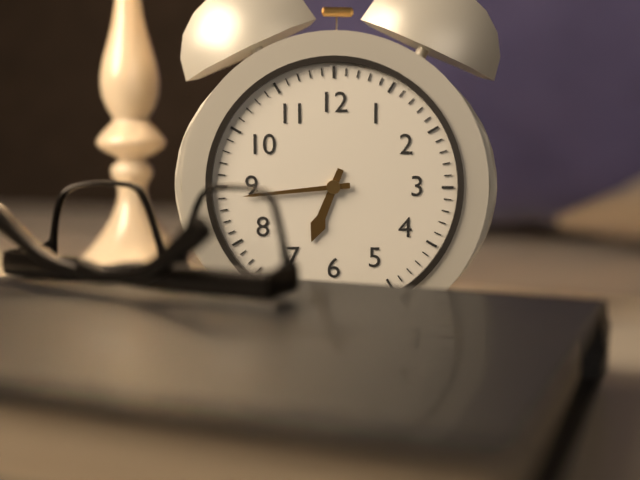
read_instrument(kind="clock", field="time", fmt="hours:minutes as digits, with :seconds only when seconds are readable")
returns 6:44
